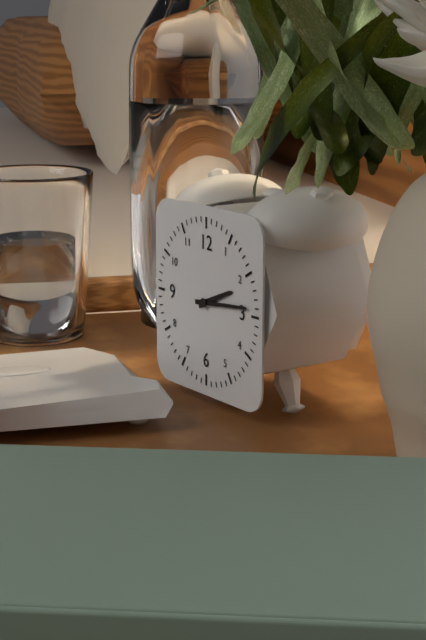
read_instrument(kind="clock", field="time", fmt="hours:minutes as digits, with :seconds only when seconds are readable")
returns 2:14
